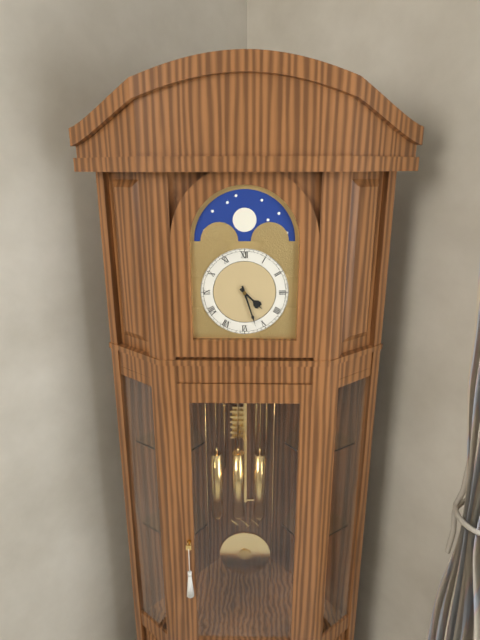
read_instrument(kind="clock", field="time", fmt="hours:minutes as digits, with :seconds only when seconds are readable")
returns 4:27
